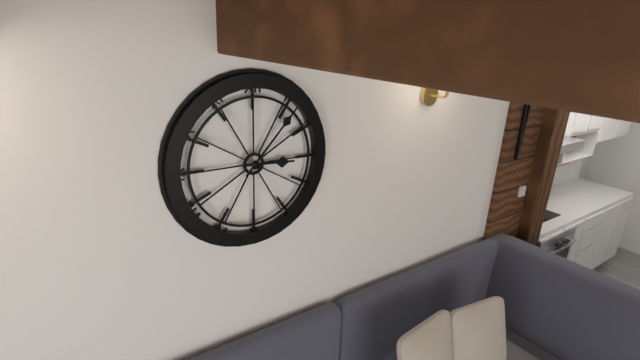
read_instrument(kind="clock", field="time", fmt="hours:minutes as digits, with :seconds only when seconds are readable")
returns 3:07
